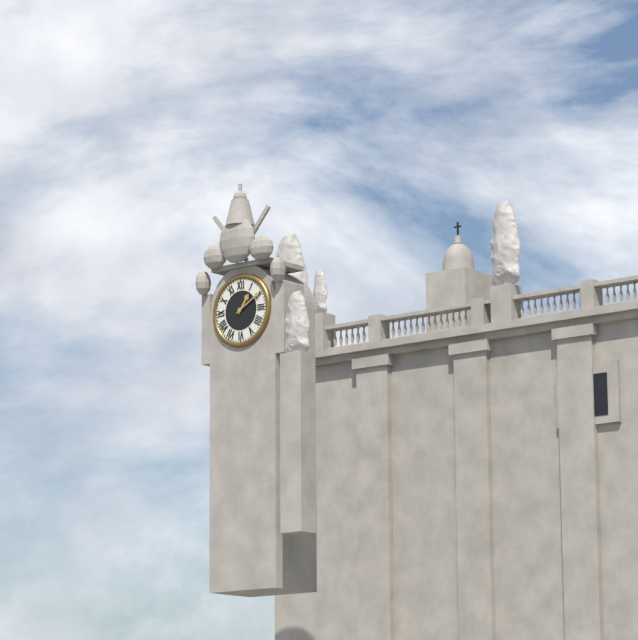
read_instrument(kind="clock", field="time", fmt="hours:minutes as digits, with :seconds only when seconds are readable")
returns 1:10
